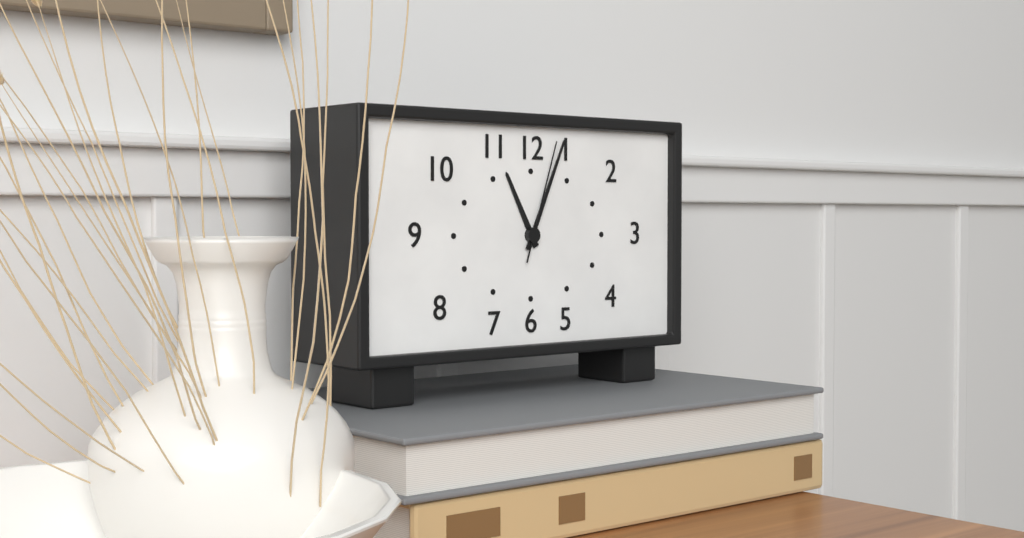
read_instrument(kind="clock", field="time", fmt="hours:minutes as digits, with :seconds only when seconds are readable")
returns 11:04:03
